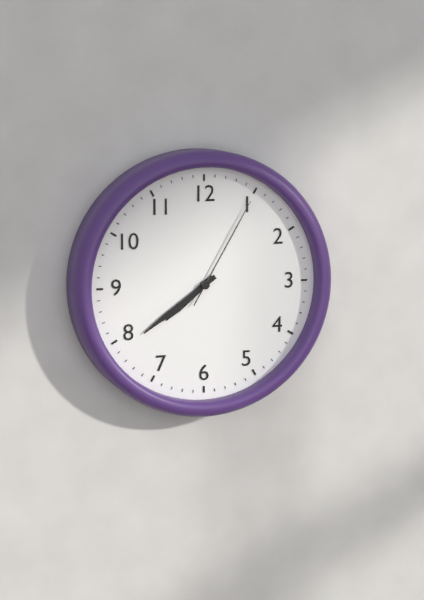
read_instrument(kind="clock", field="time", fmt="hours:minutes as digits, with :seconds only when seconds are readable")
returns 7:39:05
